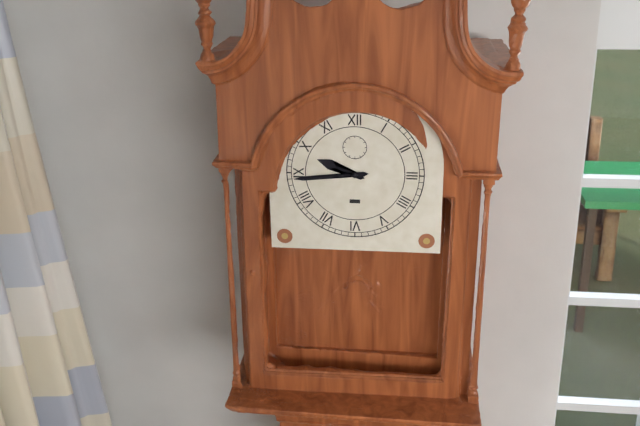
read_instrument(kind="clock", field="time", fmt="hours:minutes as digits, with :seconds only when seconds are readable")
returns 9:44
